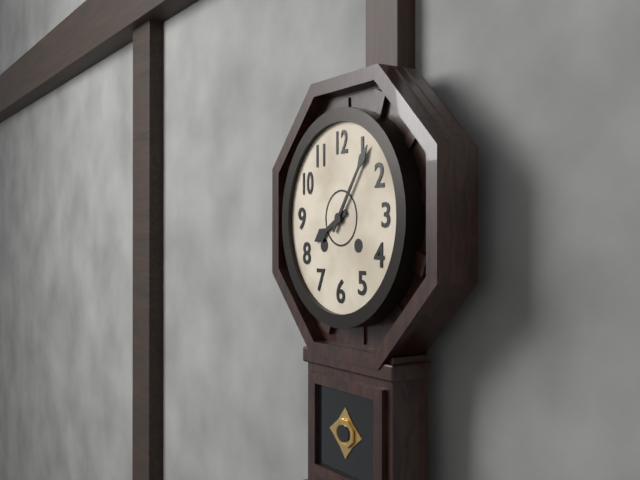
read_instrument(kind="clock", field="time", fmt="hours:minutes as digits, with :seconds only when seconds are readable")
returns 8:06
